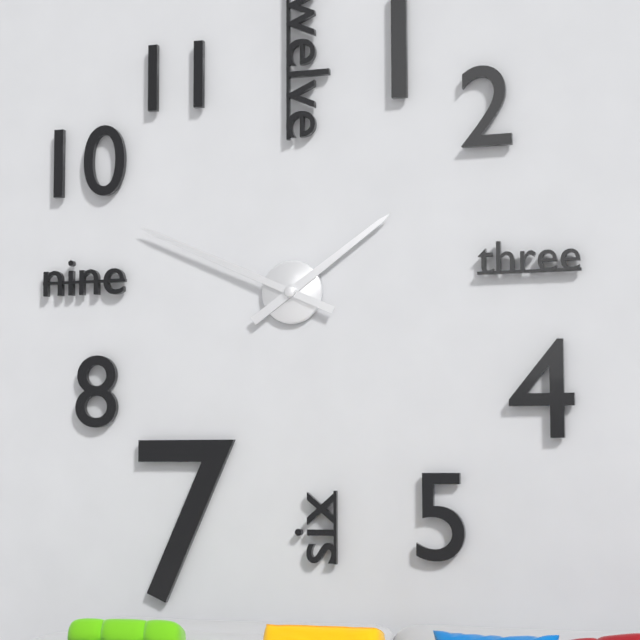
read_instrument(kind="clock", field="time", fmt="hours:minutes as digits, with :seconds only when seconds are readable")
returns 1:49
